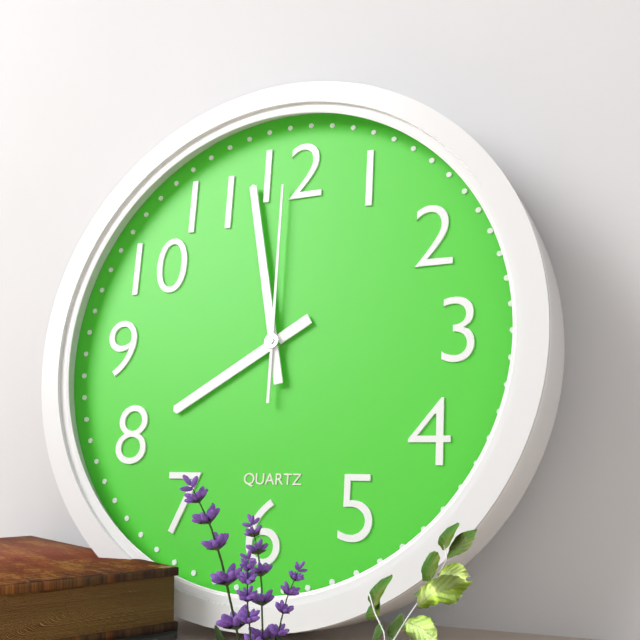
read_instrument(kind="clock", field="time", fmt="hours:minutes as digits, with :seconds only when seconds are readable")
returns 7:58:00
